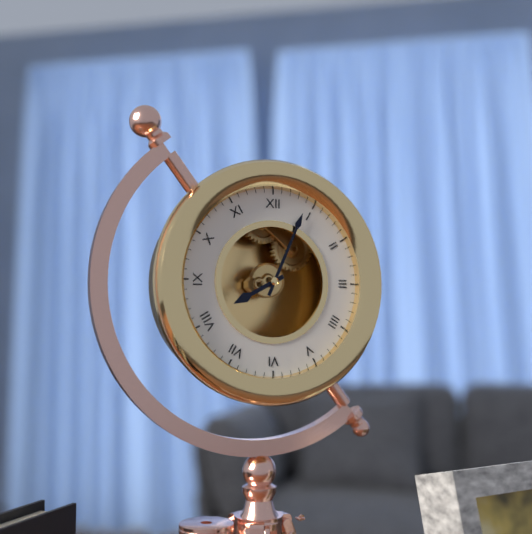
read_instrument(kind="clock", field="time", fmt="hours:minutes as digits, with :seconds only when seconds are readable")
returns 8:04
